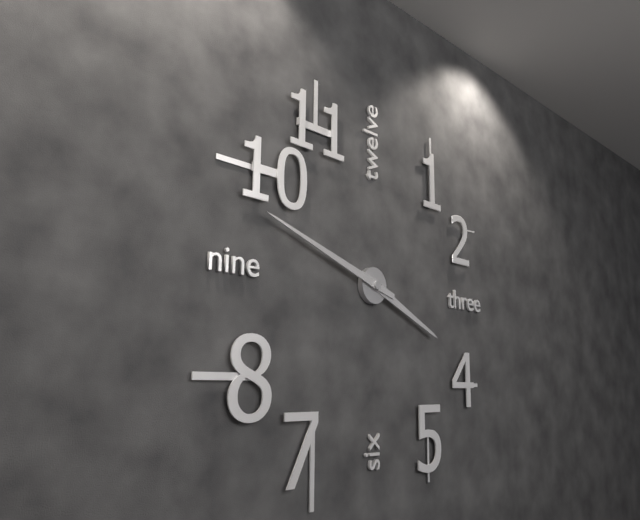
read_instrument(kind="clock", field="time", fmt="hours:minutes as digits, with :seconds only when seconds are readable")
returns 3:48
